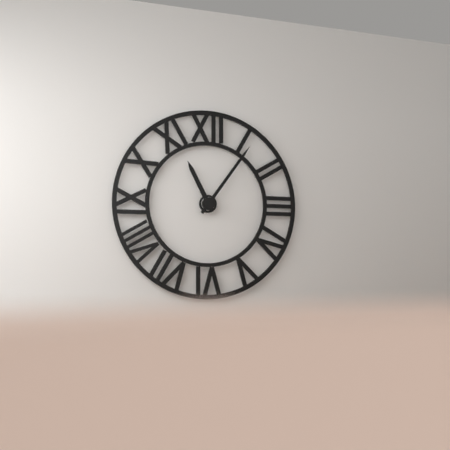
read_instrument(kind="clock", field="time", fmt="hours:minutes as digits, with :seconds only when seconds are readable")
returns 11:06
